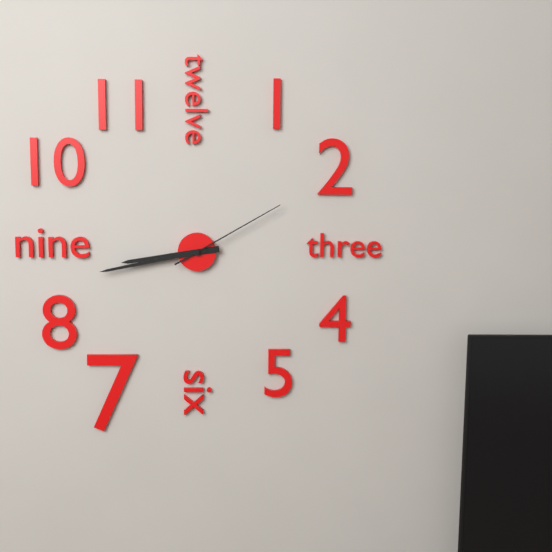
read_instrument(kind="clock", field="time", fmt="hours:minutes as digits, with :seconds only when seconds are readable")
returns 8:43:10
